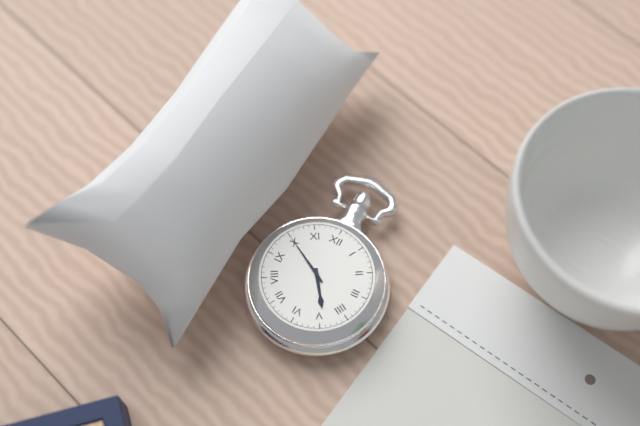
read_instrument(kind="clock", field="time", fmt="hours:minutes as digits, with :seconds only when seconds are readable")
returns 4:50
